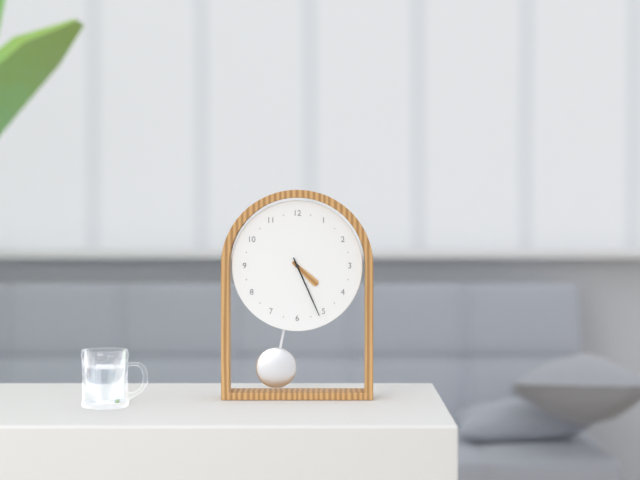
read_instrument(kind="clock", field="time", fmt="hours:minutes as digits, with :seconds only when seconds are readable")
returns 4:26
